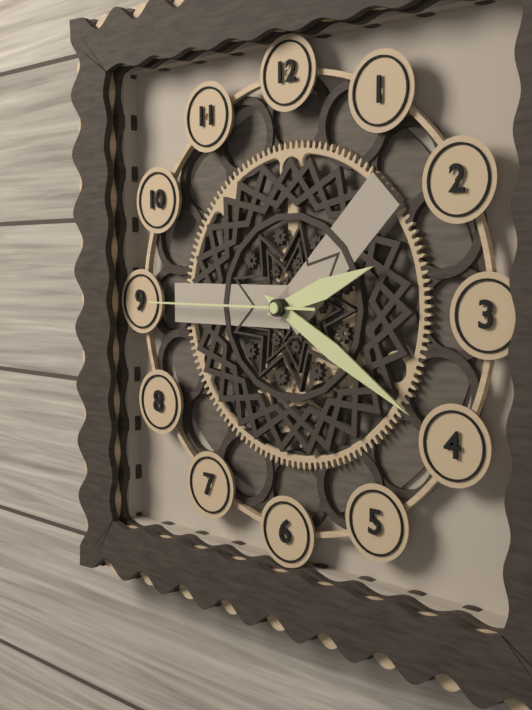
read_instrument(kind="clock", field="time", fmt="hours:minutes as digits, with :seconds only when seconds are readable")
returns 2:20:45
